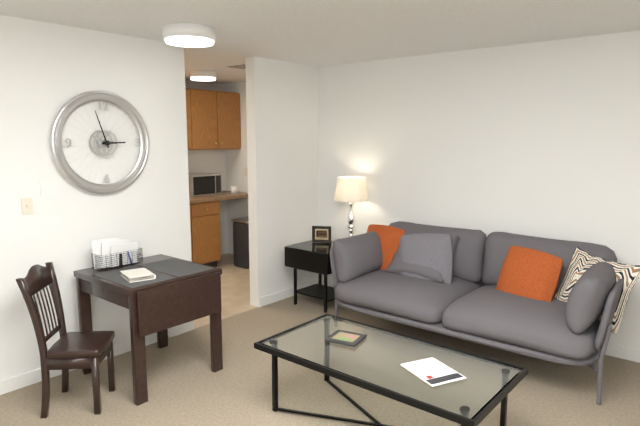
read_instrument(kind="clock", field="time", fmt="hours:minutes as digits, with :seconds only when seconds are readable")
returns 2:57
